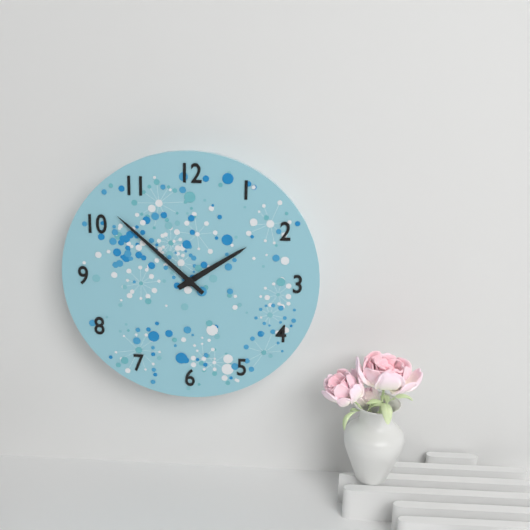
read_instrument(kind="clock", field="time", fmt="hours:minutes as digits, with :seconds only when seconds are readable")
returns 1:52
